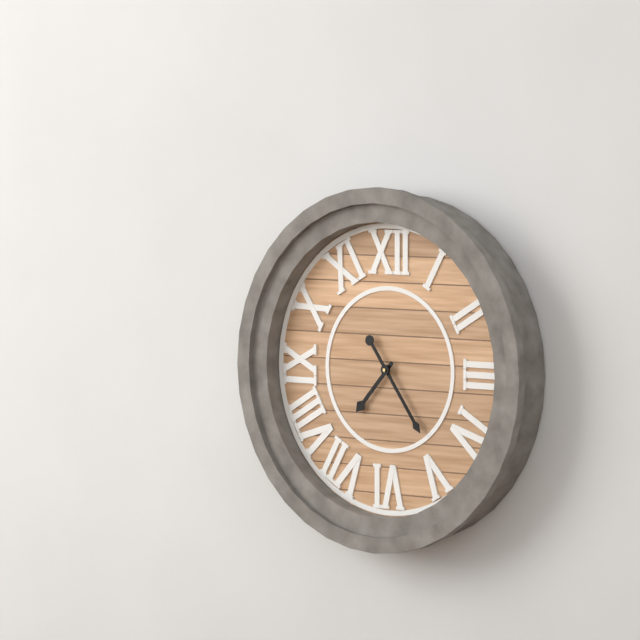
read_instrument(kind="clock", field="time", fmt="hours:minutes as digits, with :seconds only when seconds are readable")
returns 7:24
